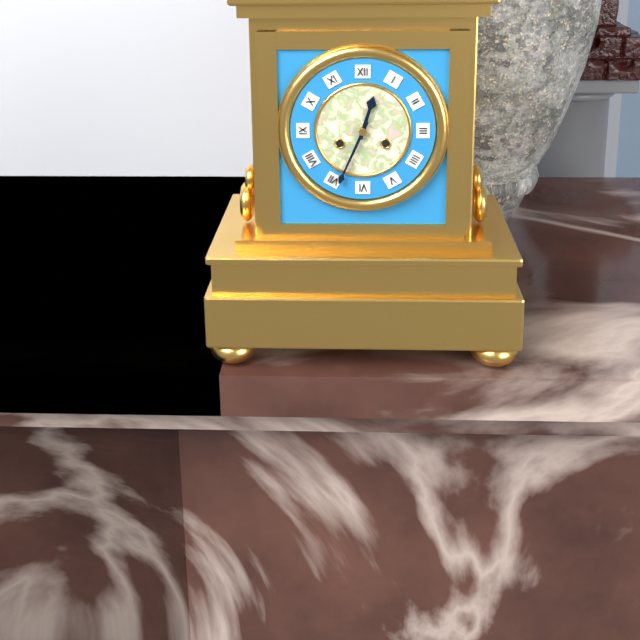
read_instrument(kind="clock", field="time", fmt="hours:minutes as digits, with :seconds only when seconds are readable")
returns 12:34
